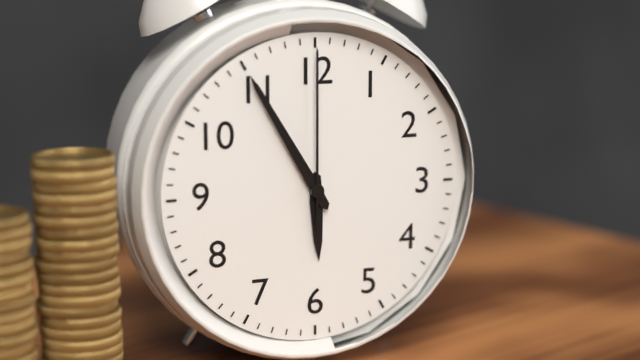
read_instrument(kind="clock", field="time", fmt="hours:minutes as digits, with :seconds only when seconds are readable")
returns 5:55:00
